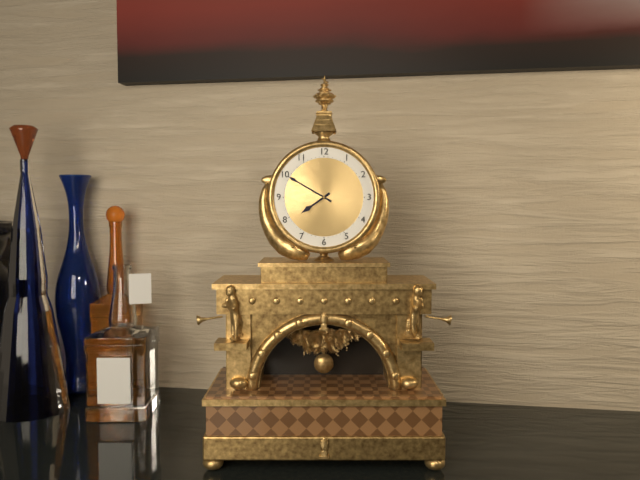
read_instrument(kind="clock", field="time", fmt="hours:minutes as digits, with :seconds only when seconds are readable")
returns 7:50
